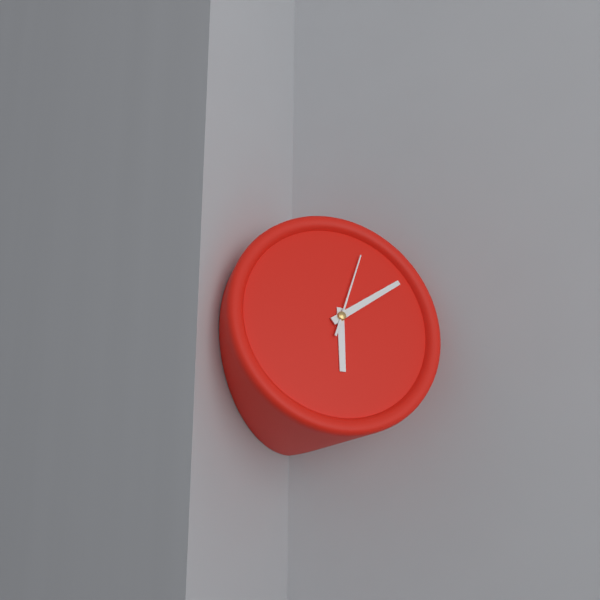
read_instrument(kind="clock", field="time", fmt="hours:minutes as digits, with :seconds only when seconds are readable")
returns 6:10:04
